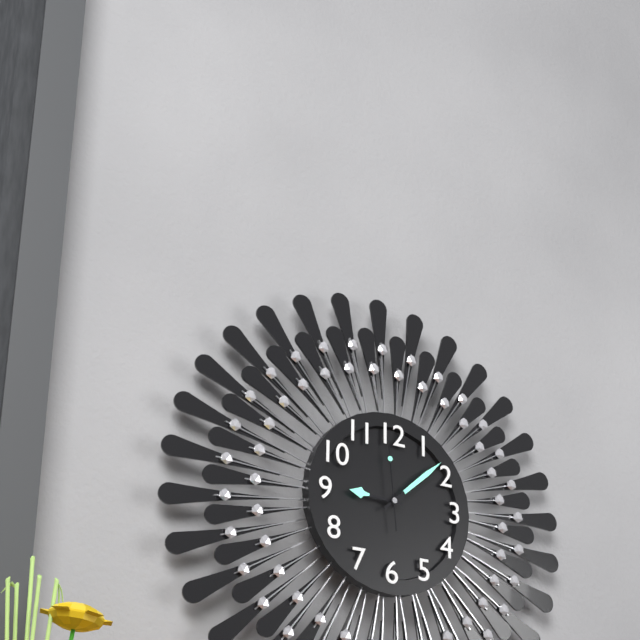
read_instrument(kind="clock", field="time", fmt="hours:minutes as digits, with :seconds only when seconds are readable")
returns 9:08:59
